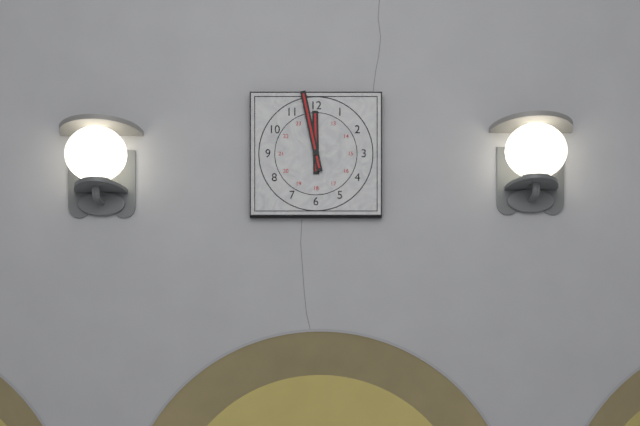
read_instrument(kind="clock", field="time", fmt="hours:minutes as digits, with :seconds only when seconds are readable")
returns 11:58
